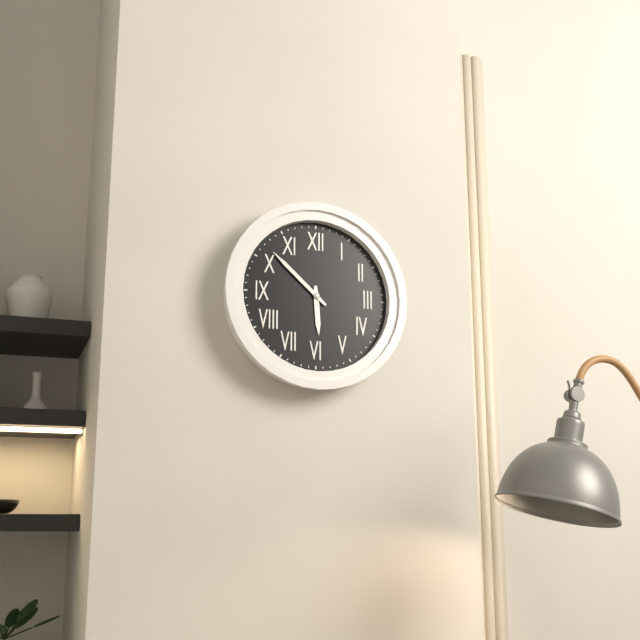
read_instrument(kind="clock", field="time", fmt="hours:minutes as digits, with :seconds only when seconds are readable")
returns 5:52
